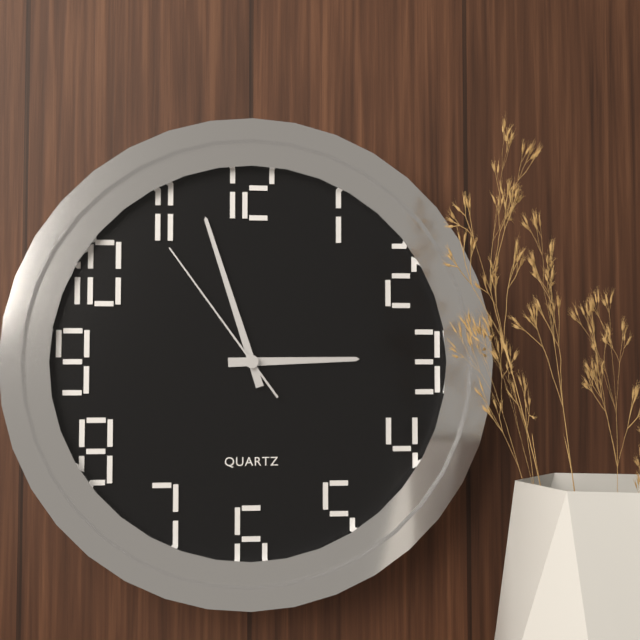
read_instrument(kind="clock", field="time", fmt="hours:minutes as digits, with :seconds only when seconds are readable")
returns 2:57:54
